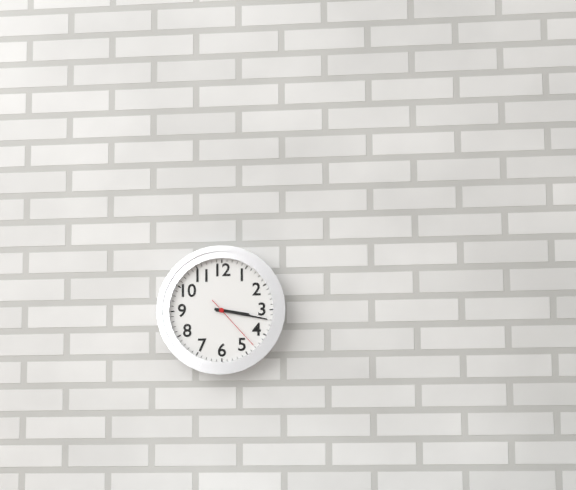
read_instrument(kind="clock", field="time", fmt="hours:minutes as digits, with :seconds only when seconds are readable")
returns 3:17:23
